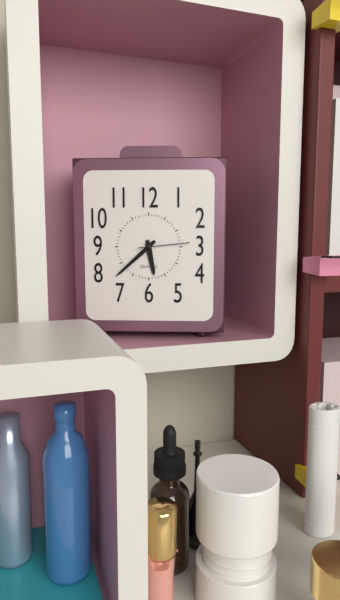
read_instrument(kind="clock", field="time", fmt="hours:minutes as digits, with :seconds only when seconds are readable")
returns 5:38:14
